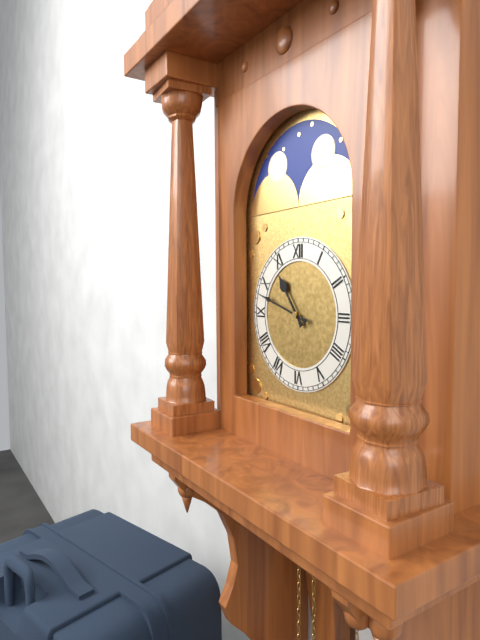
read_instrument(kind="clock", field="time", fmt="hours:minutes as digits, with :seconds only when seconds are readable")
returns 10:48
